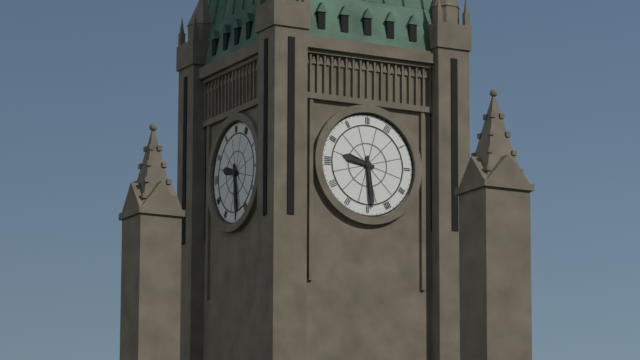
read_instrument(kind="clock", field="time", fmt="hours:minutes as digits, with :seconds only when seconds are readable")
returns 9:29
